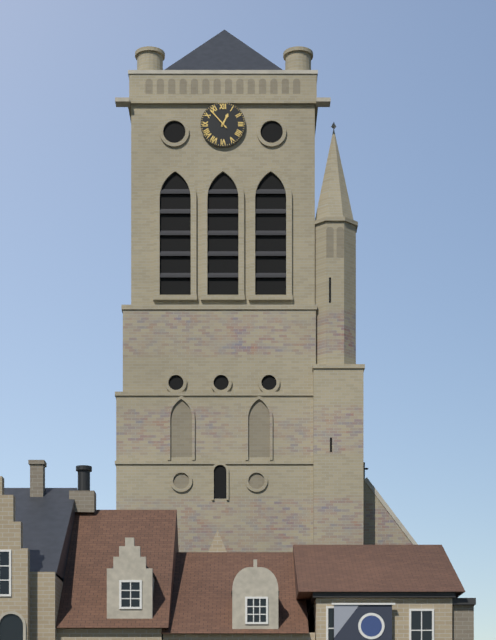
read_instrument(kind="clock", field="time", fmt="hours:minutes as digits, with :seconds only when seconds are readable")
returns 12:53
